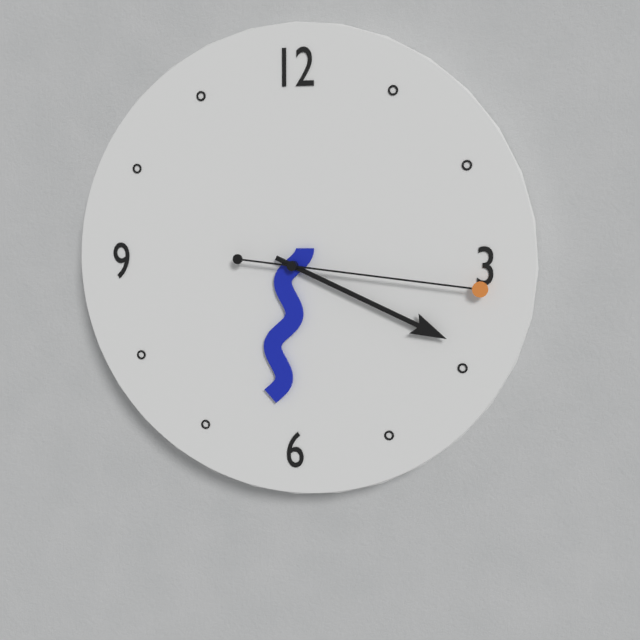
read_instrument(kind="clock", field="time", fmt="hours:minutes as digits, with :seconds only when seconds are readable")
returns 6:19:16
